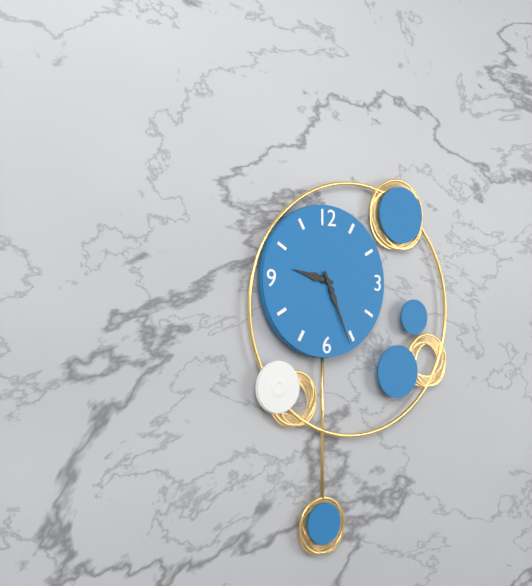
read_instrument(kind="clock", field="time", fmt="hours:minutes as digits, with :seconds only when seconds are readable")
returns 9:26
